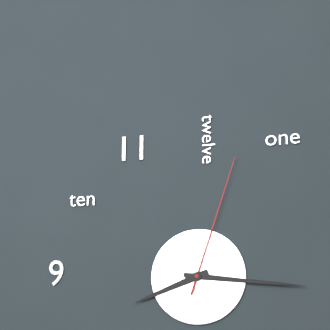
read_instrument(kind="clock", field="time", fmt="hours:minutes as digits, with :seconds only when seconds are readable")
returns 8:16:03
